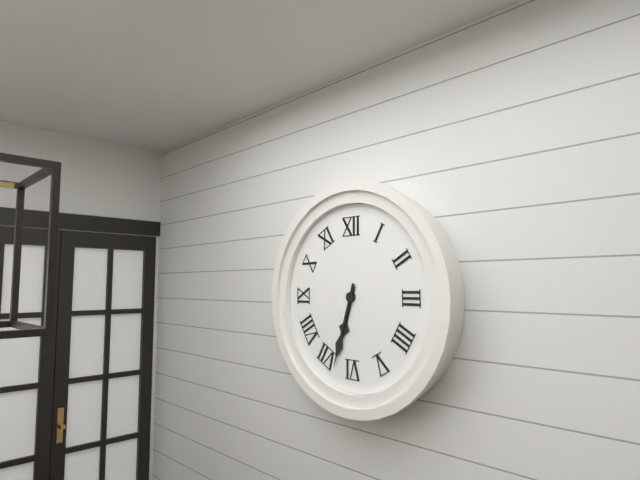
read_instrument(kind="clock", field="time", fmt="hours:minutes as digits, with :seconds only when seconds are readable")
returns 6:33
